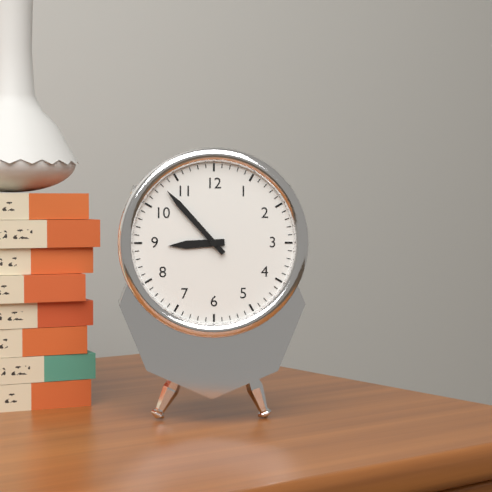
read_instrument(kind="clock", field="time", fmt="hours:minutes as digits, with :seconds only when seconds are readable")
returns 8:53
